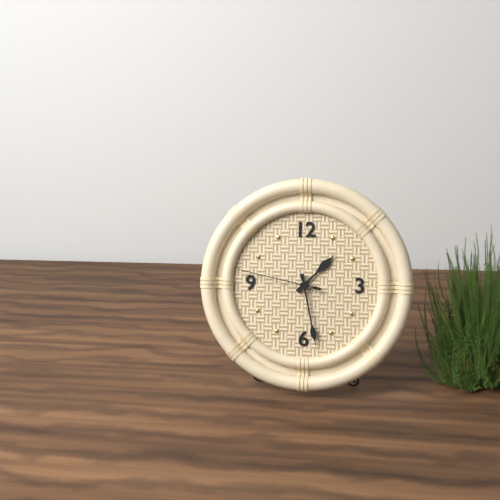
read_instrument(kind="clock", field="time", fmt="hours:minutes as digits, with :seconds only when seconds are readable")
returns 1:28:47
